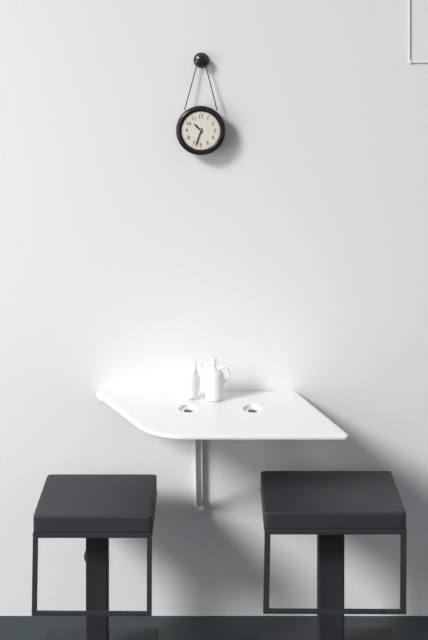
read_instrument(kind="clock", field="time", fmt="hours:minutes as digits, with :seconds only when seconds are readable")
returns 10:33
